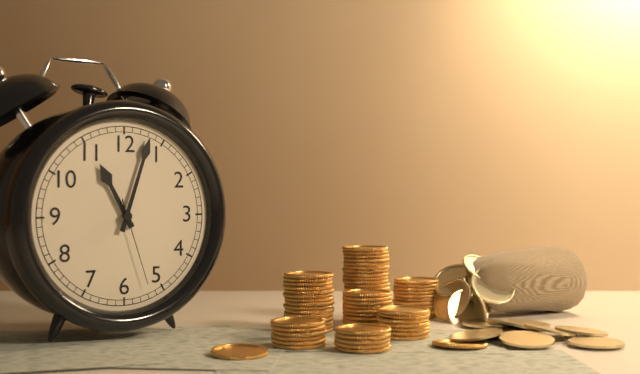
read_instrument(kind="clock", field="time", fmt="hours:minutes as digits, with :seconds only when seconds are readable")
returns 11:03:27
